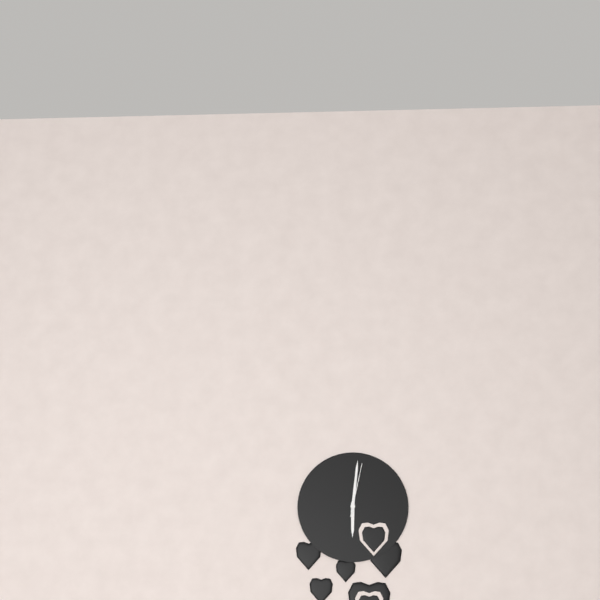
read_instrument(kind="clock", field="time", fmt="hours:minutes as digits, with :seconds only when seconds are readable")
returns 6:01:02
